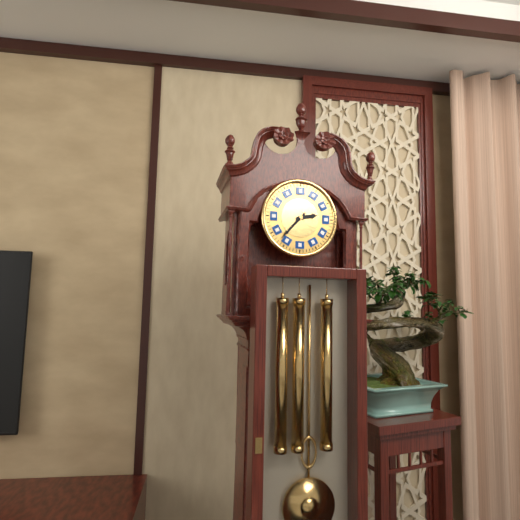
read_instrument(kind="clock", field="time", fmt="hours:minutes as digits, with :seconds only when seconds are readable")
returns 2:37
